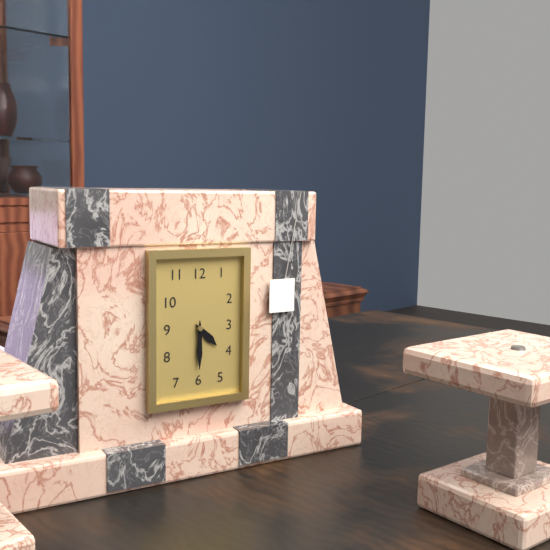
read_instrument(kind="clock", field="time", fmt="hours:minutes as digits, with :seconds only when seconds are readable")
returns 4:30
